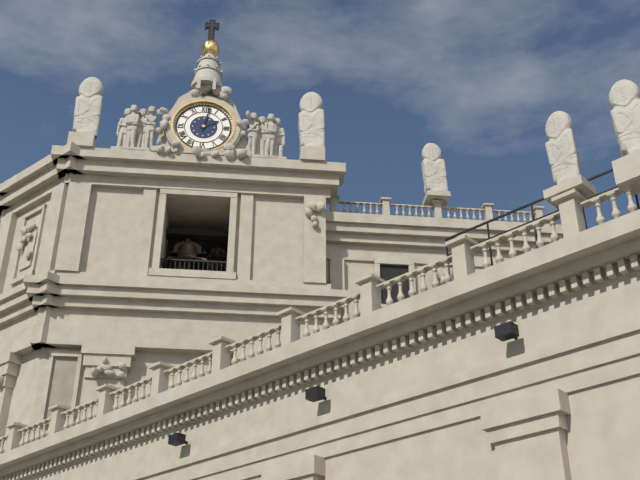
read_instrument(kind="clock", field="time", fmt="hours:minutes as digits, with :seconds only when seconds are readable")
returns 2:02
